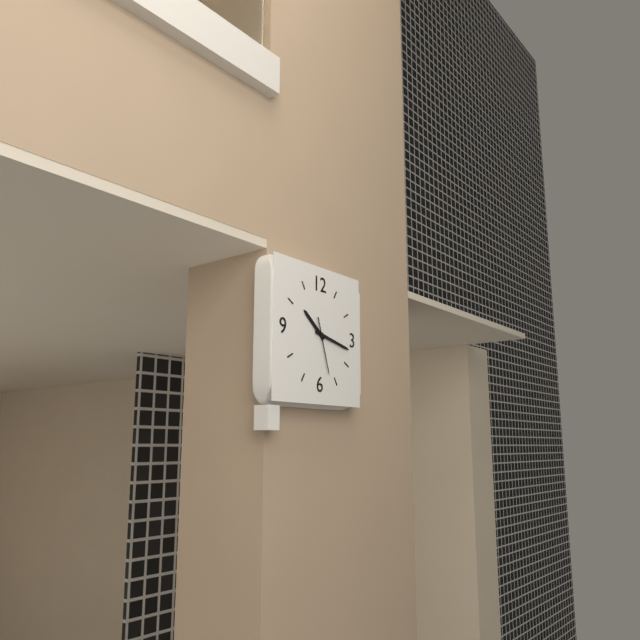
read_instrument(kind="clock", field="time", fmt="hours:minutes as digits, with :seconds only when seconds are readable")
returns 10:17:27
